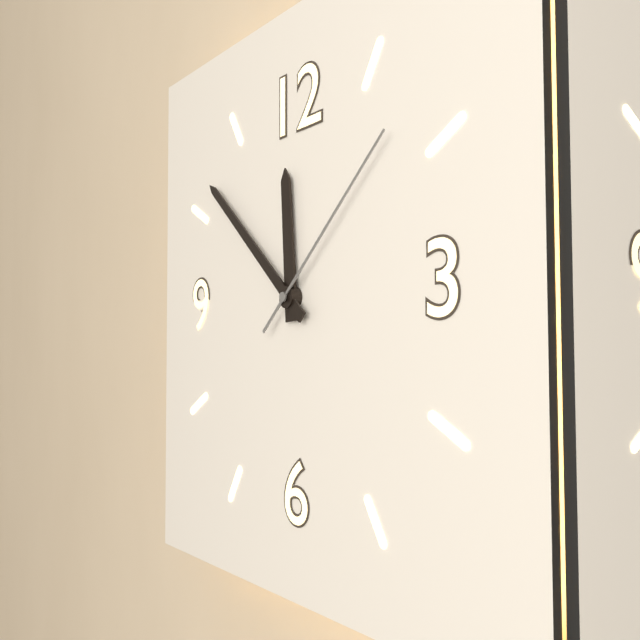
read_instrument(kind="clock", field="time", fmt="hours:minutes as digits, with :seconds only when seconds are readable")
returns 11:52:08
